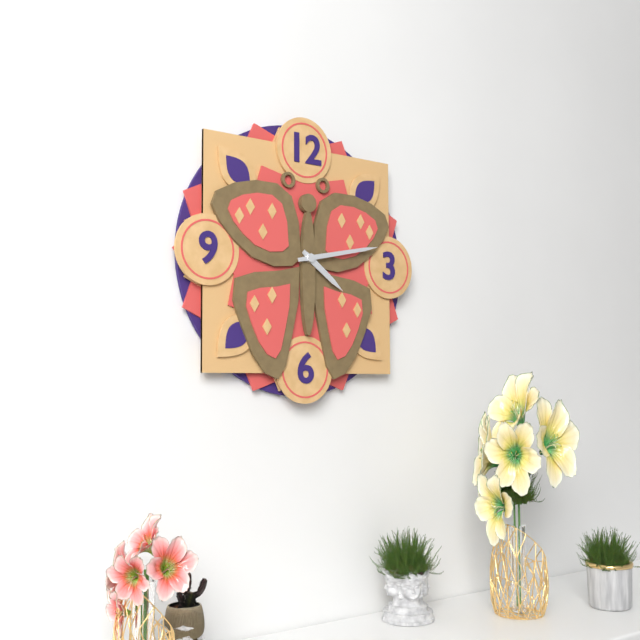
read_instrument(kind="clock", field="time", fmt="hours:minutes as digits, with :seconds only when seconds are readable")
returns 4:13
